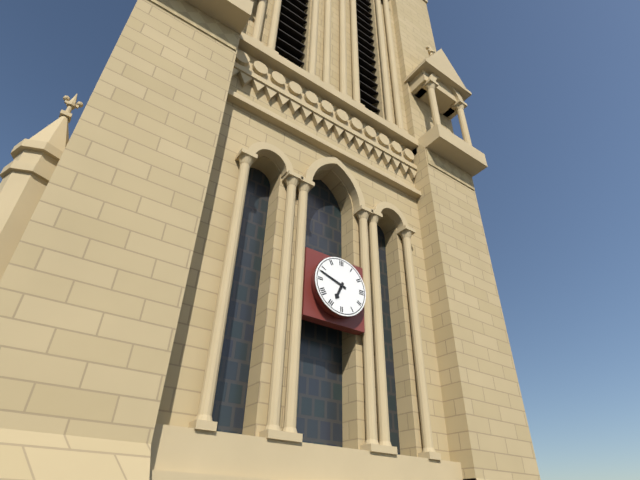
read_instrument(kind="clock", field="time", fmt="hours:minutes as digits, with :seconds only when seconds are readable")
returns 6:48
